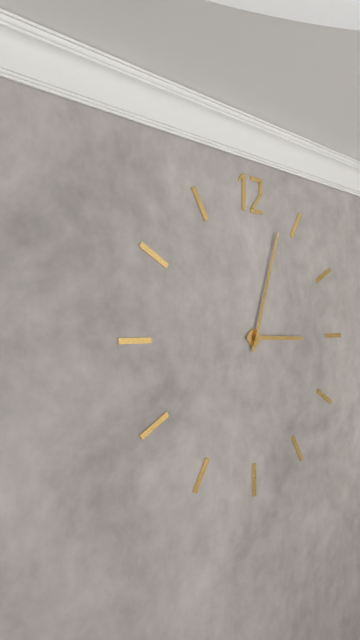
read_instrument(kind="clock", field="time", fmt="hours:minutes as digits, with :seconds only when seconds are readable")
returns 3:03
